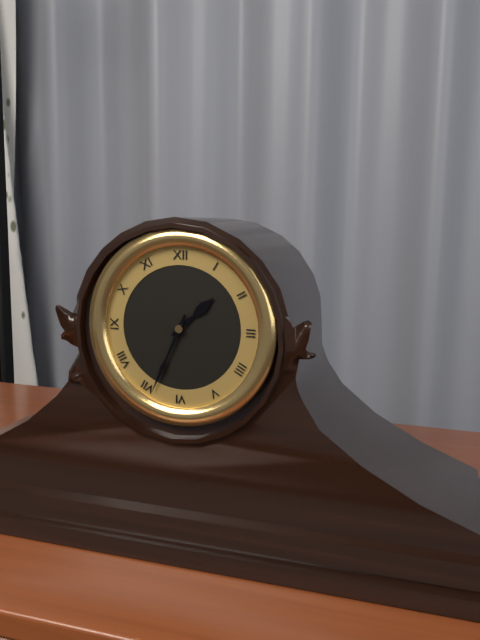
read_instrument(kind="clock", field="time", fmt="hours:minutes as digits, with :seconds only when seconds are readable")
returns 1:34
